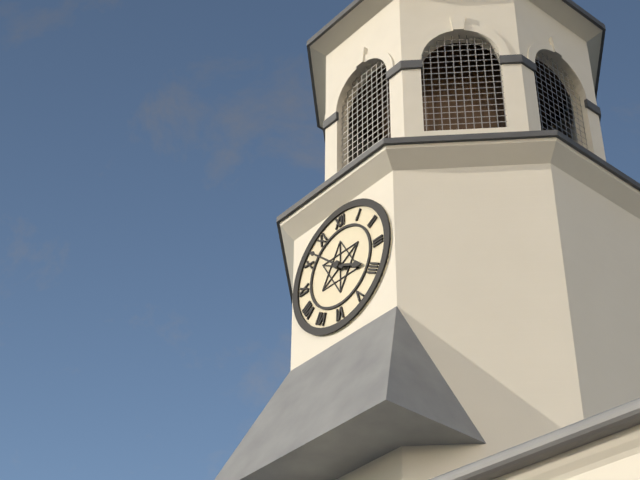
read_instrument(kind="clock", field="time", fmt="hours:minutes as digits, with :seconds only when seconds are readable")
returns 3:52
